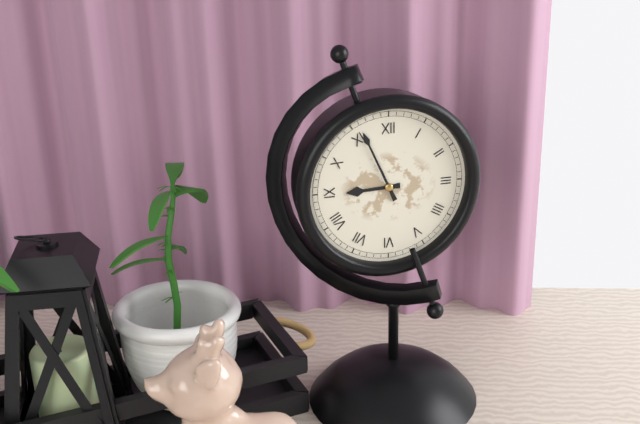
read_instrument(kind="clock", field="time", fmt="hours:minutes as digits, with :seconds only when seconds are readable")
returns 8:56
